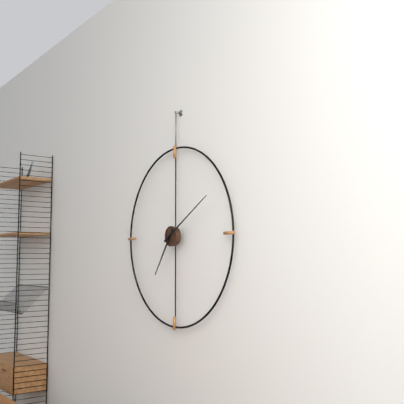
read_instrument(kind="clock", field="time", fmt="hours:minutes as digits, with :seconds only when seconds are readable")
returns 7:10
